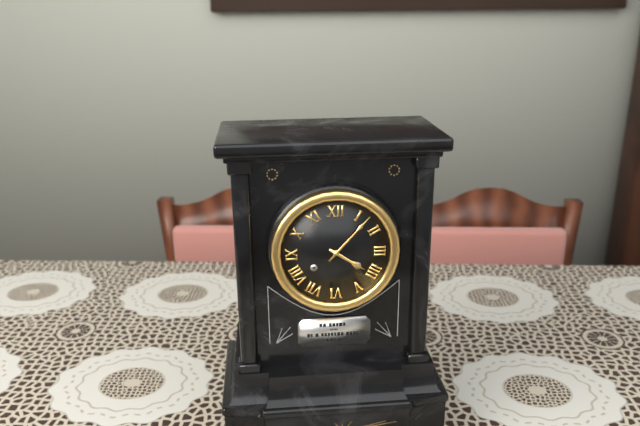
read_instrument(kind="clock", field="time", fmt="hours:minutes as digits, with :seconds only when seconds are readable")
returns 4:07
